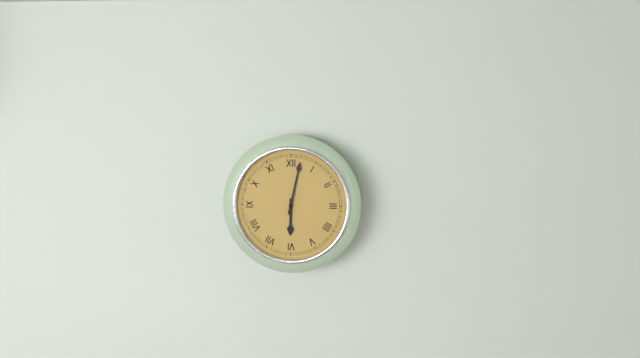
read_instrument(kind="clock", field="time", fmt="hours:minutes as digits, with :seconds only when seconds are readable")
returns 6:02
